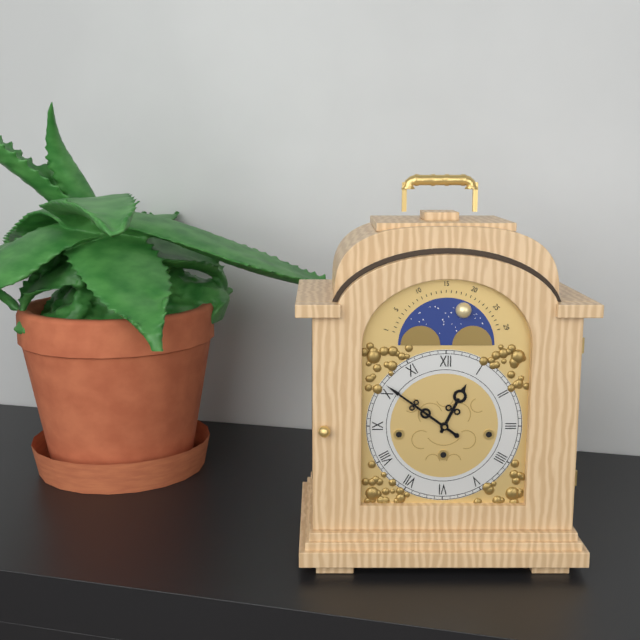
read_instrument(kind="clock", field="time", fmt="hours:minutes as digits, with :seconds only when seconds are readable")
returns 12:51
